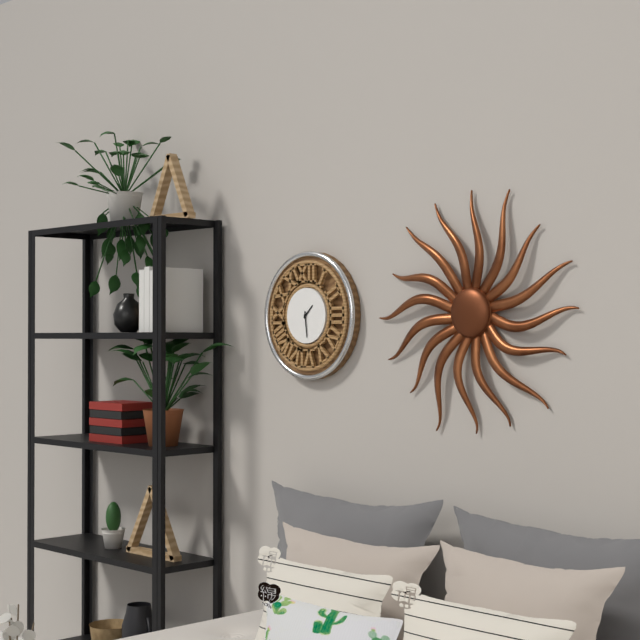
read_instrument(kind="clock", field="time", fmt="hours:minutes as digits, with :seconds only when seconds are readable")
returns 1:29
